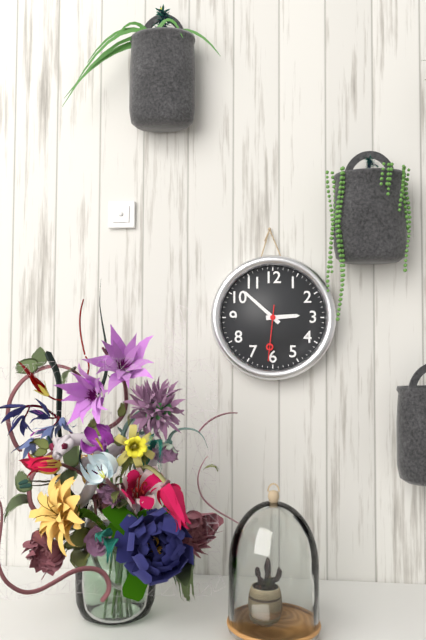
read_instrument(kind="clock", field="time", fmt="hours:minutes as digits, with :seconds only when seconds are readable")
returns 2:52:31
